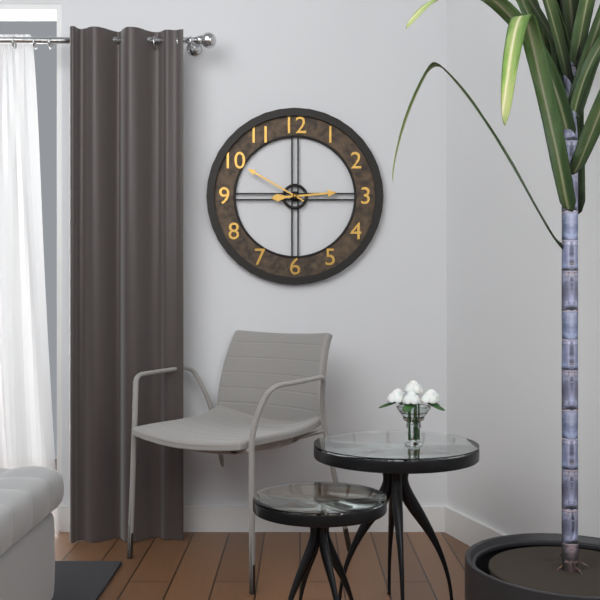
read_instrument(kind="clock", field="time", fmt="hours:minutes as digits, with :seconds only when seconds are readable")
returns 2:50
